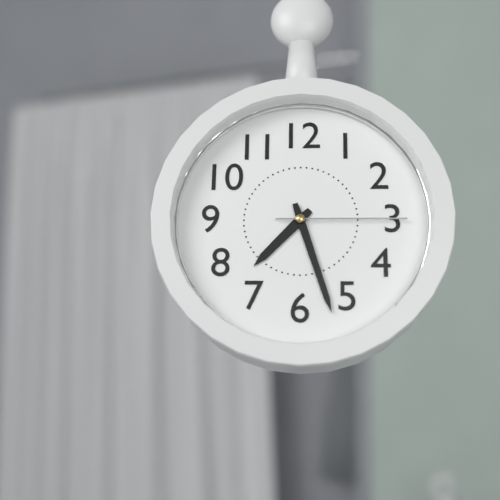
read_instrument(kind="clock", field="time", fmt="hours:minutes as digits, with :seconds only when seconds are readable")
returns 7:27:15
